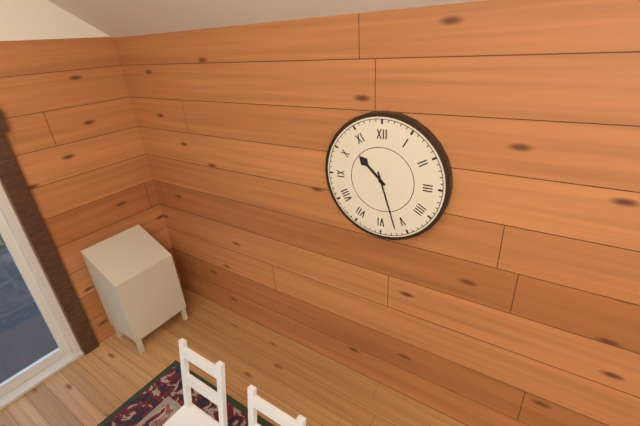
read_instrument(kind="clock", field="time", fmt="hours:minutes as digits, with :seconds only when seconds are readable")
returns 10:27
